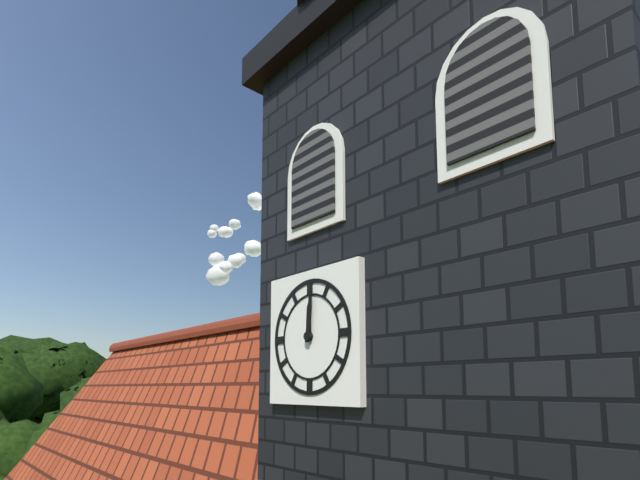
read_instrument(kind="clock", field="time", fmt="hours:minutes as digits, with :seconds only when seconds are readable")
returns 12:01
